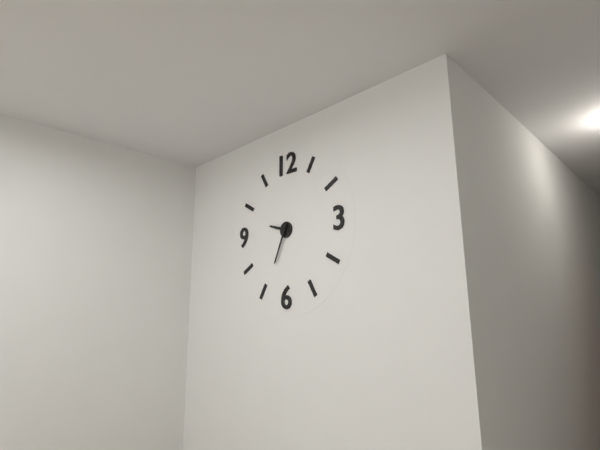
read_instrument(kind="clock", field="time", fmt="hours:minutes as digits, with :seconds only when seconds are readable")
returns 9:34
